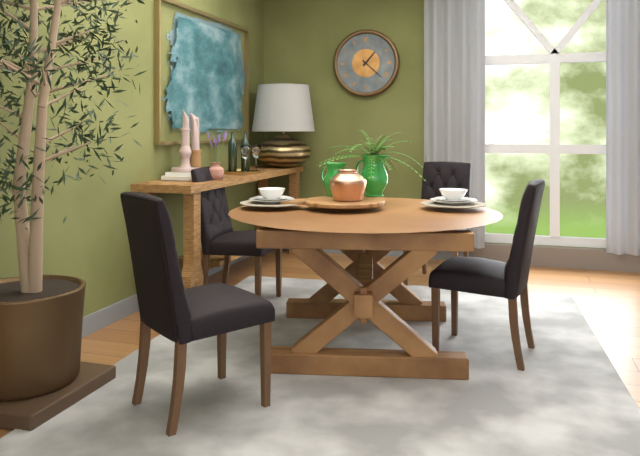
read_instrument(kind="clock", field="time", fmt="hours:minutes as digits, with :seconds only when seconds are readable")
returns 1:22
